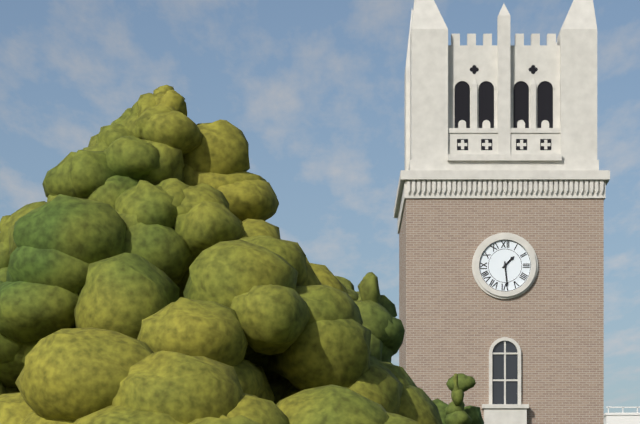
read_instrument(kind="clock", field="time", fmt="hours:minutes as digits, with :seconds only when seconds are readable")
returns 1:29
